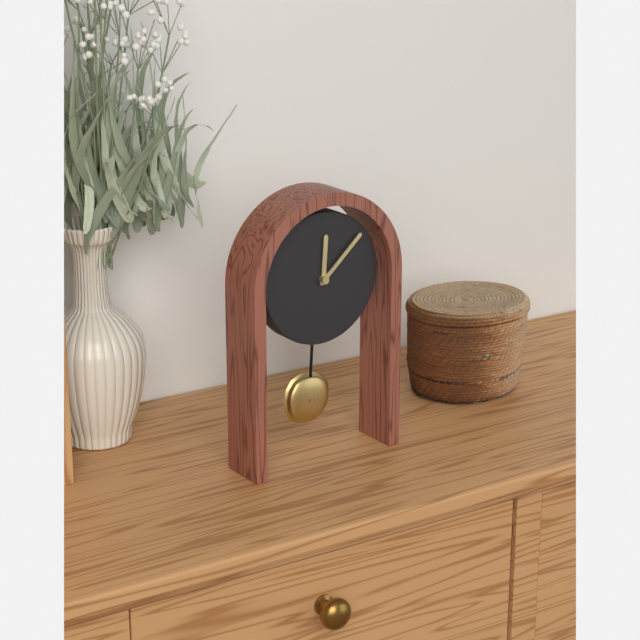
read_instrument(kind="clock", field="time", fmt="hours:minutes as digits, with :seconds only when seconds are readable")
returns 12:08
